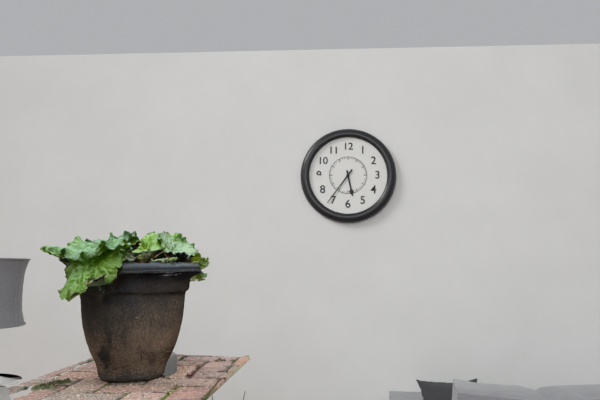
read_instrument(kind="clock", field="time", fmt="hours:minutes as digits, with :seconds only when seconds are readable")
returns 5:36
